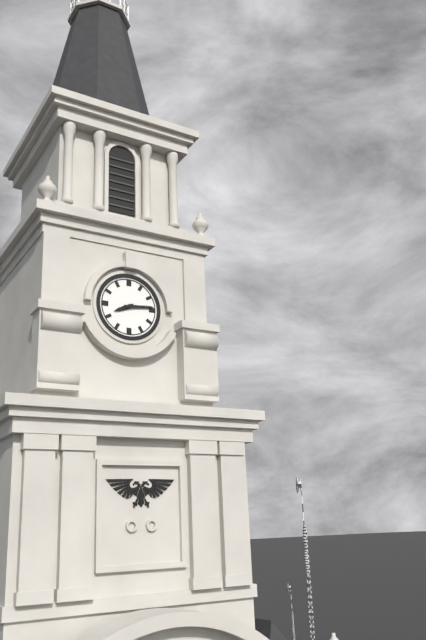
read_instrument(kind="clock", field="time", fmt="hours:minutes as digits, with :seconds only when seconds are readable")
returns 8:14
